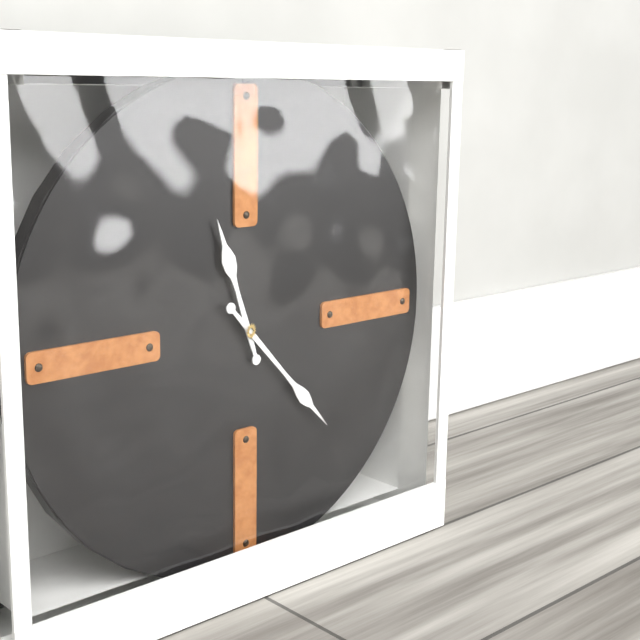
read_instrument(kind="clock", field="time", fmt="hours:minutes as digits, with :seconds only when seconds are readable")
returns 11:23
